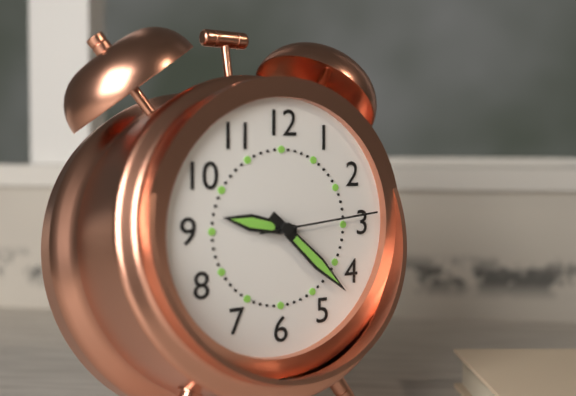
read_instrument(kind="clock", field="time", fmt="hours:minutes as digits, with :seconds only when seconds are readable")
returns 9:22:14
